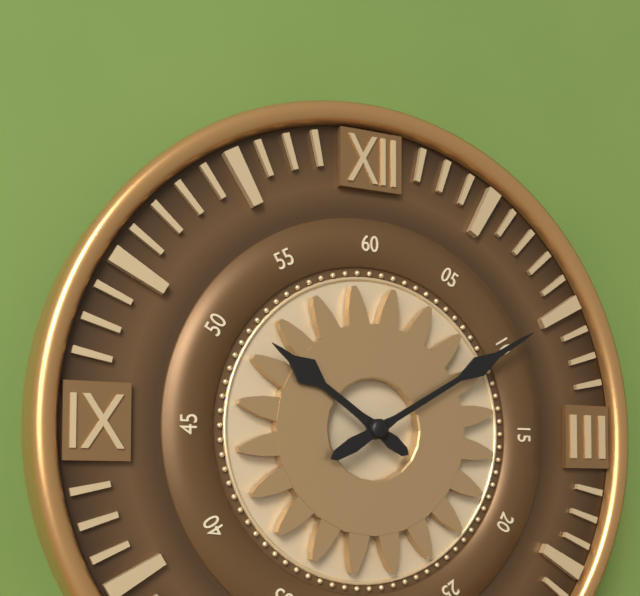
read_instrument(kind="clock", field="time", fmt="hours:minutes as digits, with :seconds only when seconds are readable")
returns 10:10
